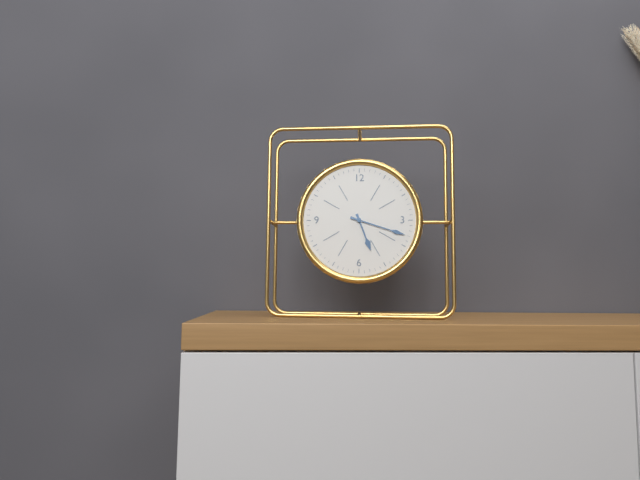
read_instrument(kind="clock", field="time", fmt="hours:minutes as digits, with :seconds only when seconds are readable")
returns 5:18
